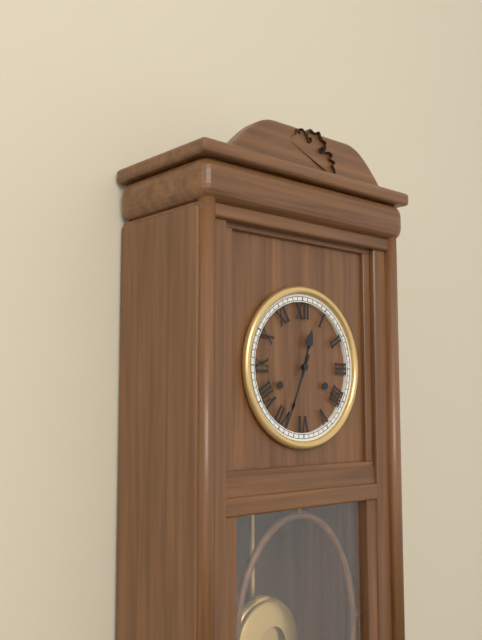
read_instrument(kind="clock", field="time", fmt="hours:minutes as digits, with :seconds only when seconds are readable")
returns 12:34
